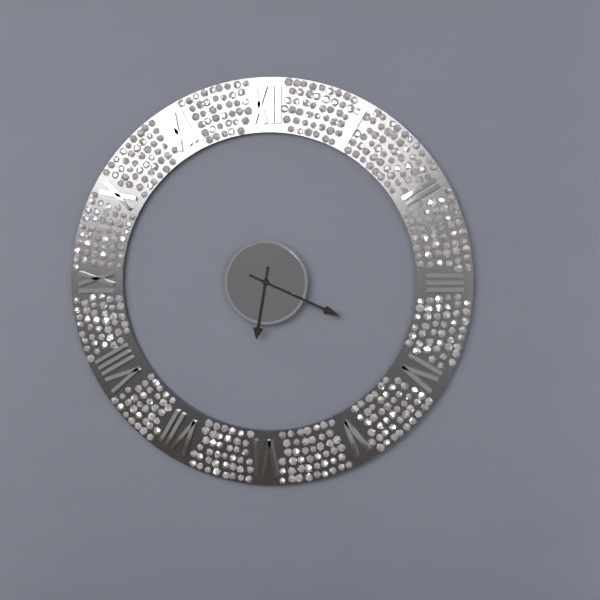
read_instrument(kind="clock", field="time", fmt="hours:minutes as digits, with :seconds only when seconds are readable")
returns 6:19
